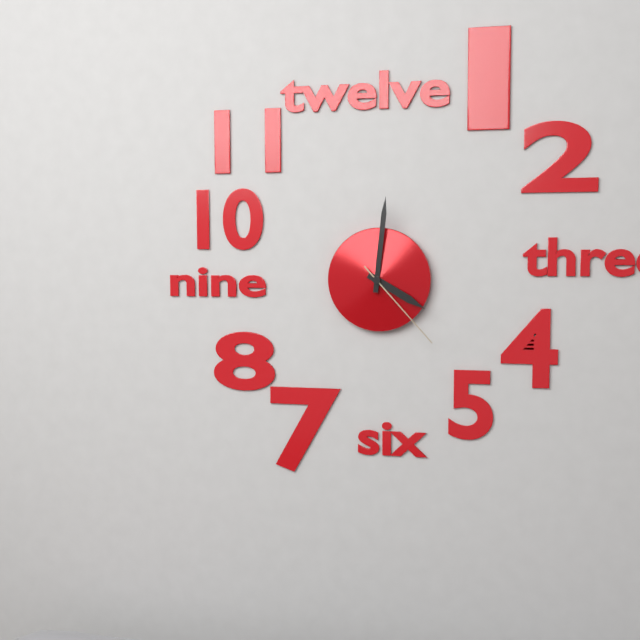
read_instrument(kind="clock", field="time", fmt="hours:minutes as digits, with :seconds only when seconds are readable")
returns 4:01:23
